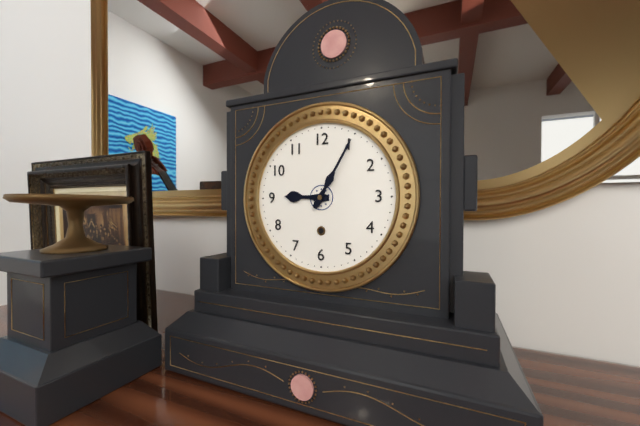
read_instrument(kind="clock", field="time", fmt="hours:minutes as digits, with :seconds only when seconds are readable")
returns 9:05
